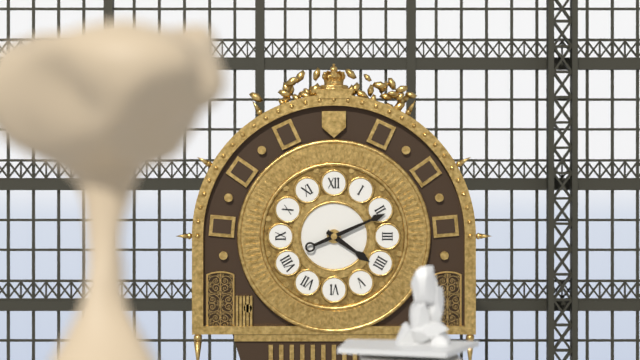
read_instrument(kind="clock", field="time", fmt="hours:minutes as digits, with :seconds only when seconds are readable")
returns 4:11
